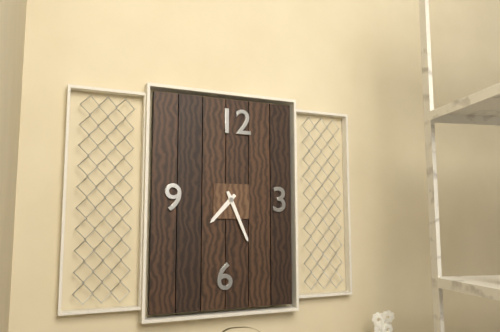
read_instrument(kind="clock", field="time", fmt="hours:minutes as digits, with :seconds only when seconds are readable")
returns 7:26
